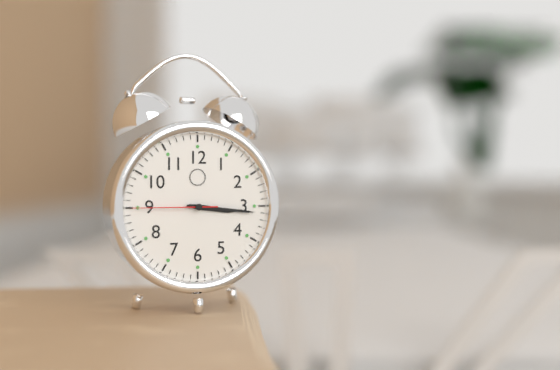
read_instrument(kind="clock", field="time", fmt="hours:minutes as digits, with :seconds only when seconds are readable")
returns 3:16:45
